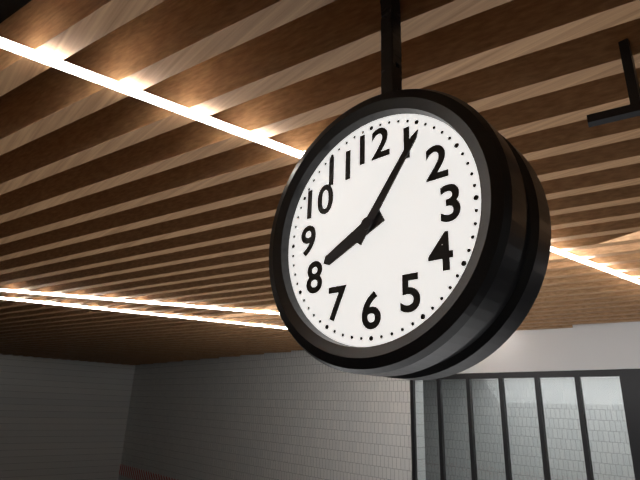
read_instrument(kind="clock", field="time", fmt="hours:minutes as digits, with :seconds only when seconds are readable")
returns 8:06
